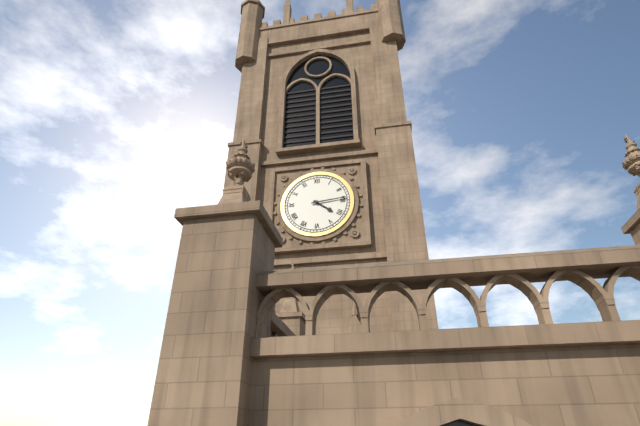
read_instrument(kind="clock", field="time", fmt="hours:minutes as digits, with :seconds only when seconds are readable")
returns 4:14
